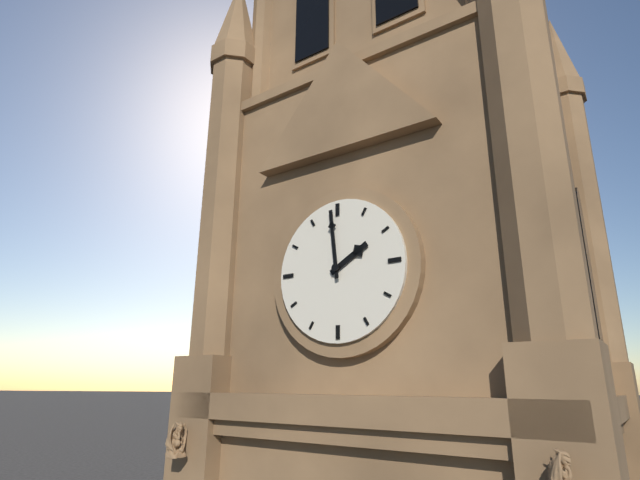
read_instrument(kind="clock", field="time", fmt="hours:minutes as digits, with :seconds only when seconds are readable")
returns 1:59
